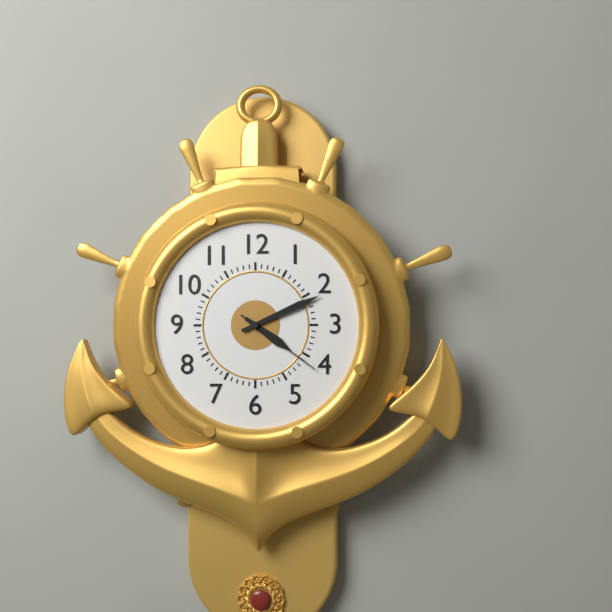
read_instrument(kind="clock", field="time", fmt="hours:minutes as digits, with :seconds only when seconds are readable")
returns 4:11:21
